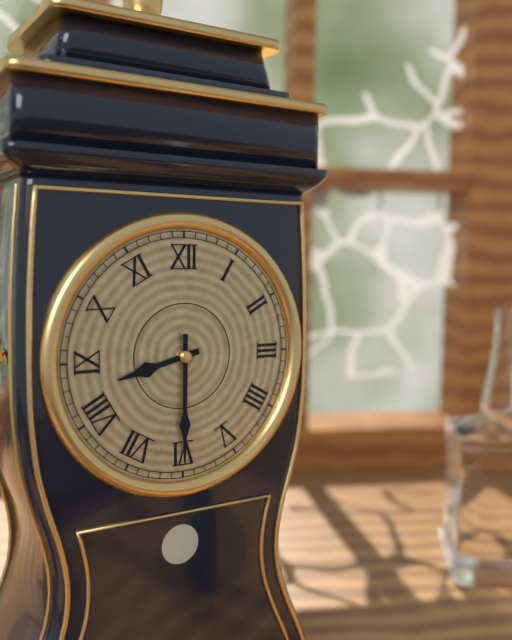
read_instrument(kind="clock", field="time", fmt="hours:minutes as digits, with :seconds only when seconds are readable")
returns 8:30
